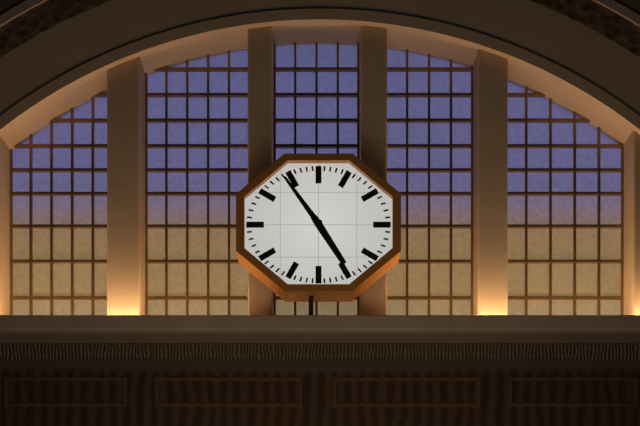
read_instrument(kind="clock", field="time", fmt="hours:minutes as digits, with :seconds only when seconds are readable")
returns 4:54
